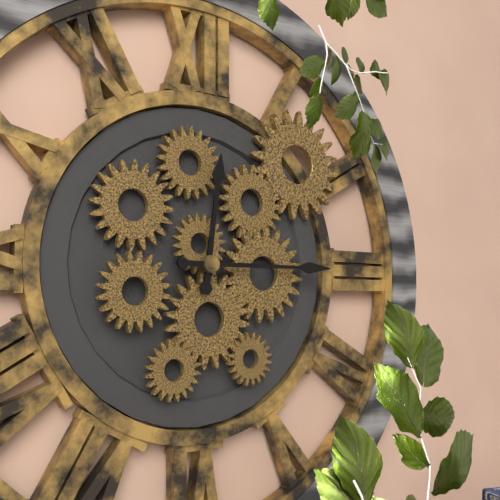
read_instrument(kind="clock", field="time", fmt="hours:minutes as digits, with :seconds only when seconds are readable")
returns 12:15
